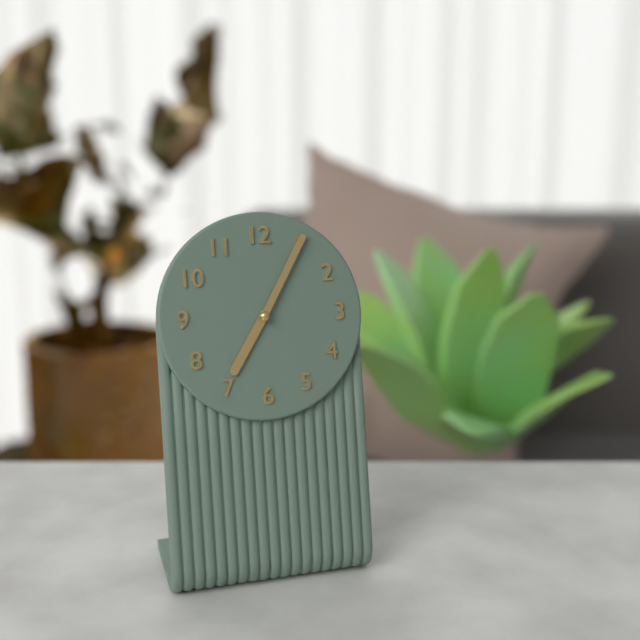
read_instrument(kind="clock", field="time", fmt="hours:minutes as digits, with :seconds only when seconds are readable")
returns 7:05
